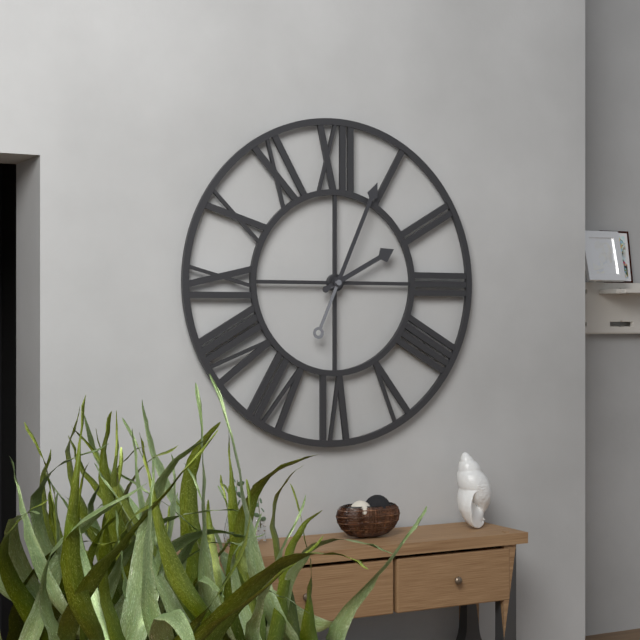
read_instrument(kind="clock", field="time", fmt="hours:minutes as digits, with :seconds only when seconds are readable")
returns 2:04
